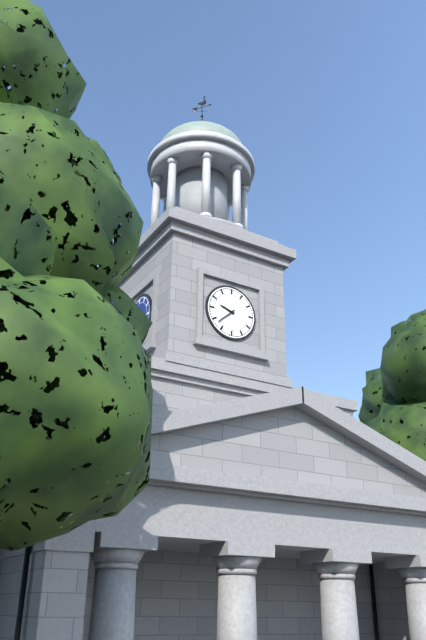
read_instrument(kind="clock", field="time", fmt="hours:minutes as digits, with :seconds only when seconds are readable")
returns 9:38
